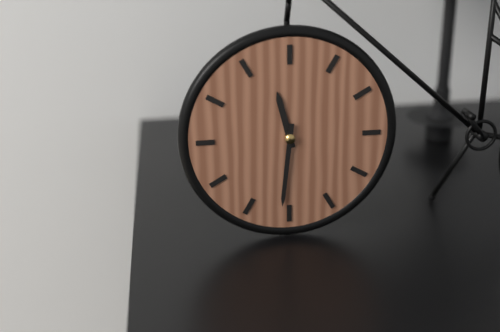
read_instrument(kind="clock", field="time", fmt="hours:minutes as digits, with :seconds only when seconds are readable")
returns 11:31
